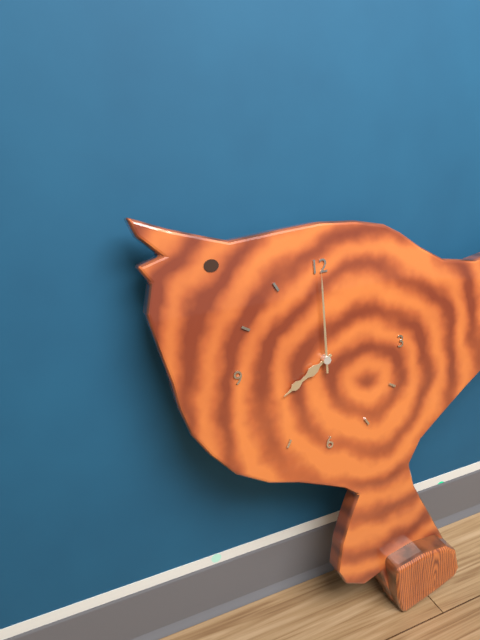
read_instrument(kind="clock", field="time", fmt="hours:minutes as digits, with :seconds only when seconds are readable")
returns 8:00
